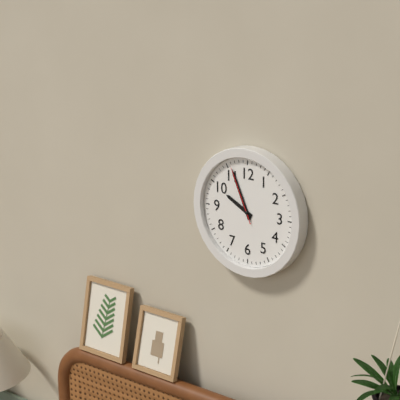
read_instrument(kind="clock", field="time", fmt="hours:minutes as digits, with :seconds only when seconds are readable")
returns 9:56:56
